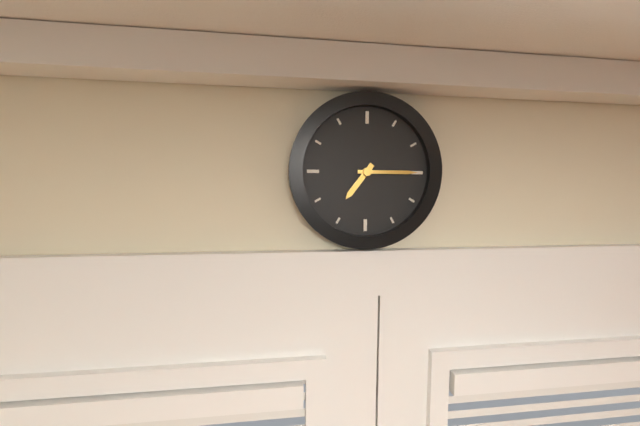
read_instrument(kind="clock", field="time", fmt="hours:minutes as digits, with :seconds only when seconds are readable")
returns 7:15
